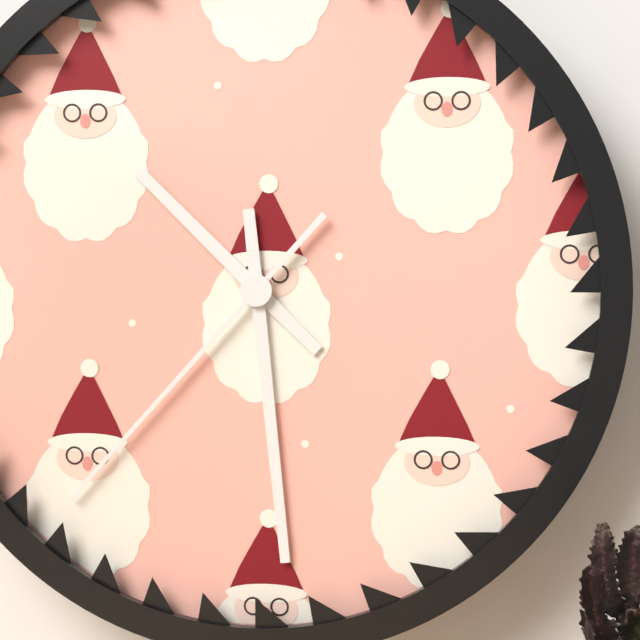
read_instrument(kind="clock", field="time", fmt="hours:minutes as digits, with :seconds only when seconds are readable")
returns 10:29:37
